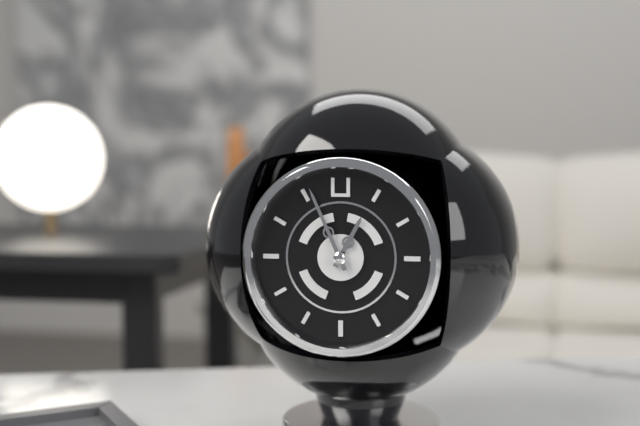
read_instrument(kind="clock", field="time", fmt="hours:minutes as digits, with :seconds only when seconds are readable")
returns 12:56
